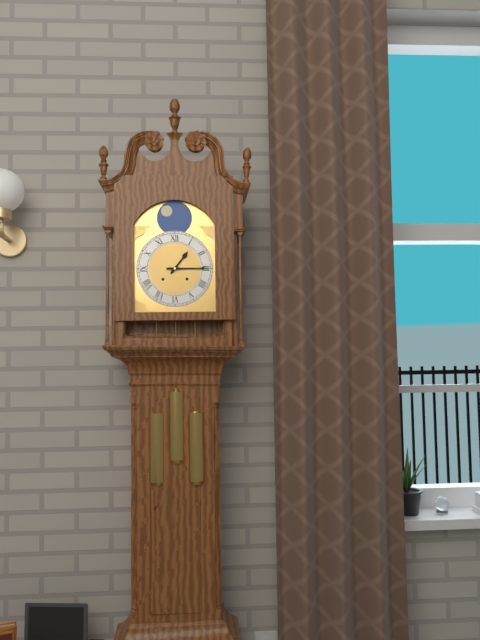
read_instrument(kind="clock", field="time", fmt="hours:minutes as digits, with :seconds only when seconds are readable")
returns 1:15
